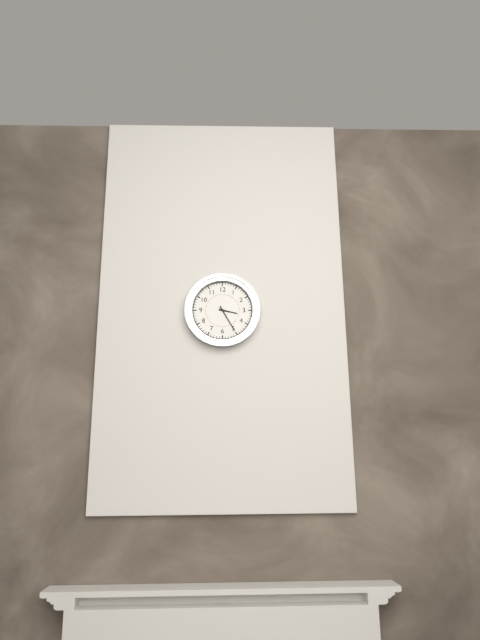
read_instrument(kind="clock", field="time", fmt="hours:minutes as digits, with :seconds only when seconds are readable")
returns 3:25
